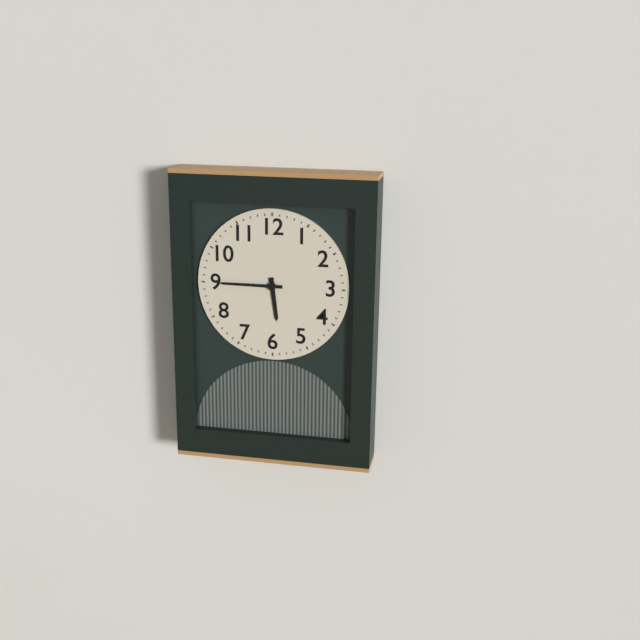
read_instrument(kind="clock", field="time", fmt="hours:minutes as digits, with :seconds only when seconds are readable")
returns 5:45
